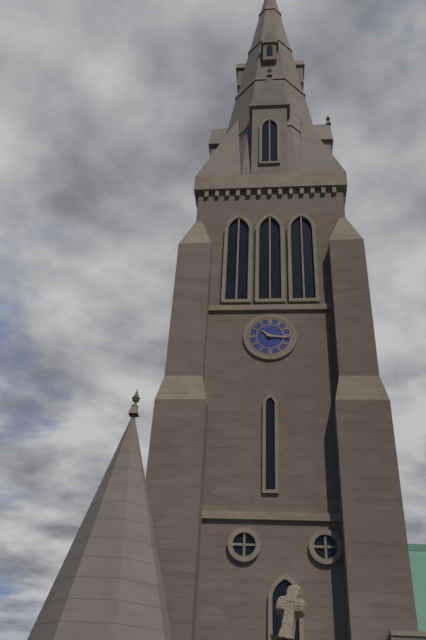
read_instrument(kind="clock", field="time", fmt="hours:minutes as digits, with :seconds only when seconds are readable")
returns 10:16
